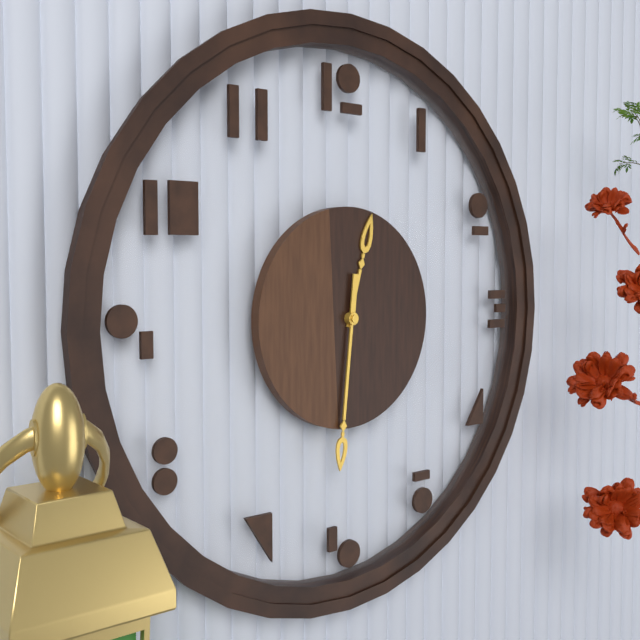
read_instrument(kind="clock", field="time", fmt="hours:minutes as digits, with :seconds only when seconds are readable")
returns 12:31
